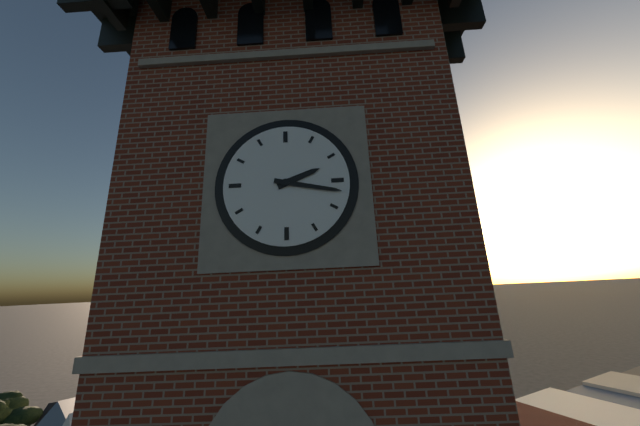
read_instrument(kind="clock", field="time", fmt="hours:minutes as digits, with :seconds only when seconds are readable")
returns 2:17
